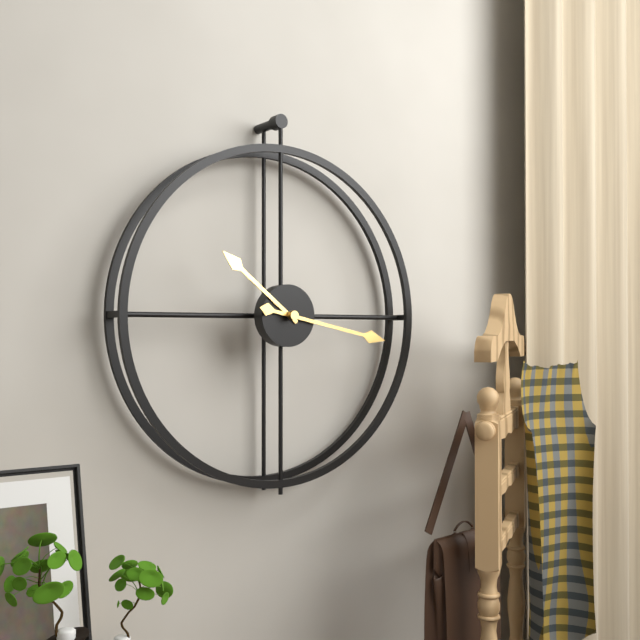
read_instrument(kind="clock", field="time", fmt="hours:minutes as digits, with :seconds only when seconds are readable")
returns 10:17
